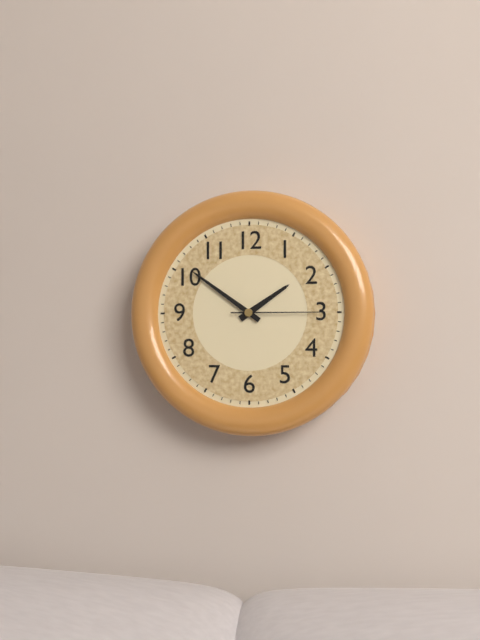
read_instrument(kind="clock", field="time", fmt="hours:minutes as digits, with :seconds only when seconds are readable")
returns 1:51:15
